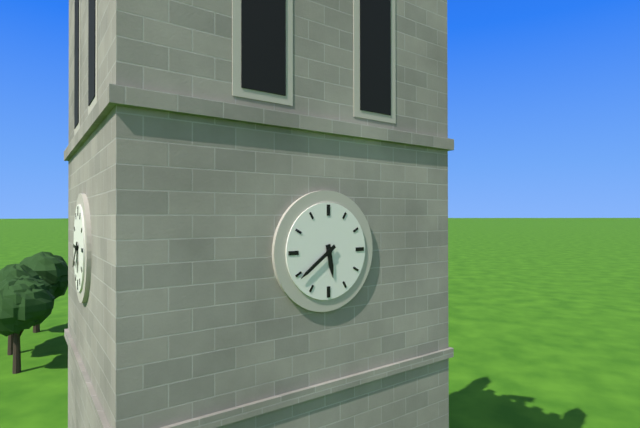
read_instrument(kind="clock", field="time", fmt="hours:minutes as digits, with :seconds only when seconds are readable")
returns 5:39
